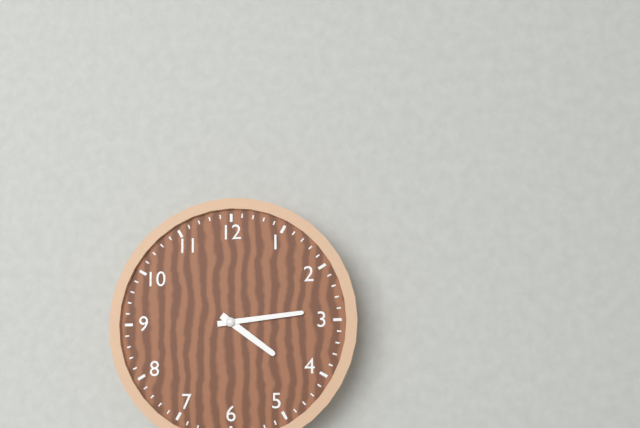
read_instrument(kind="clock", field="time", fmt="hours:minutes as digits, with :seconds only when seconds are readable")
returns 4:14
